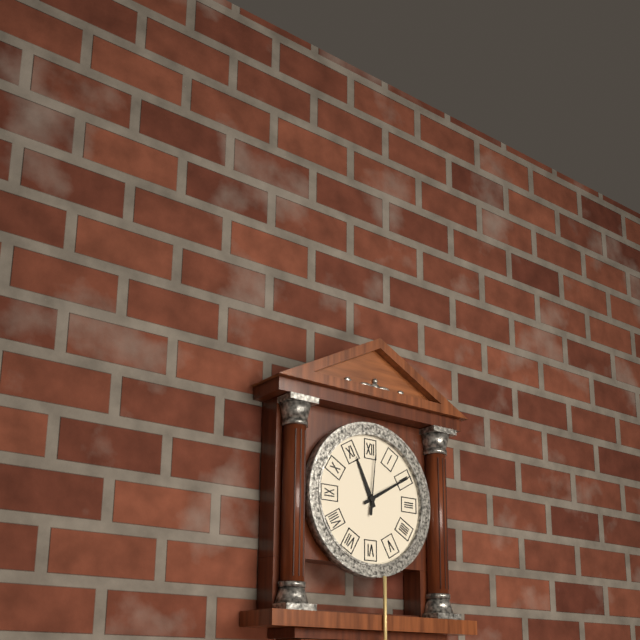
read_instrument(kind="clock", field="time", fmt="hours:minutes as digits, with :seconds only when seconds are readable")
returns 11:10:01
